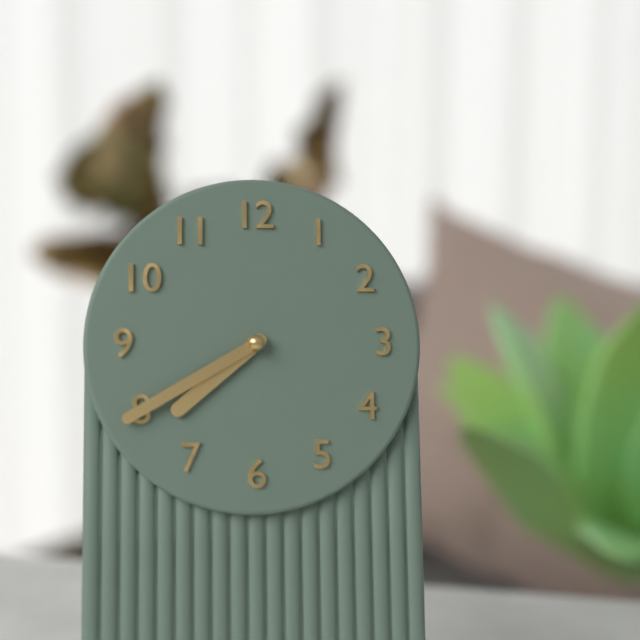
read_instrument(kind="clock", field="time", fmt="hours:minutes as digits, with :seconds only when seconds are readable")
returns 7:40
